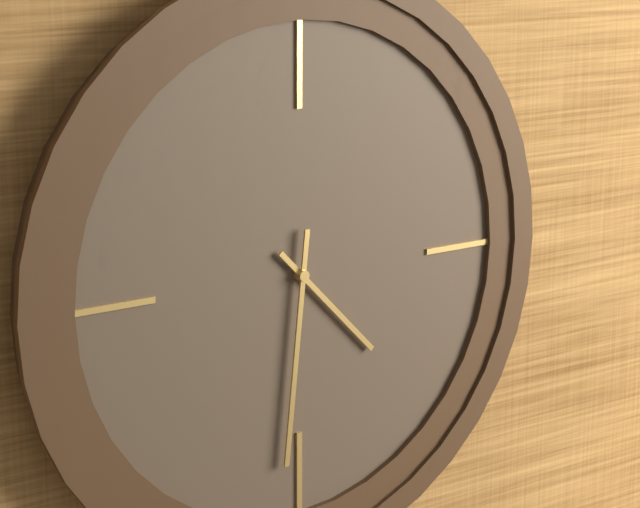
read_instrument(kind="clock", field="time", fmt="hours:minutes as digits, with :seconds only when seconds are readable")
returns 4:31
